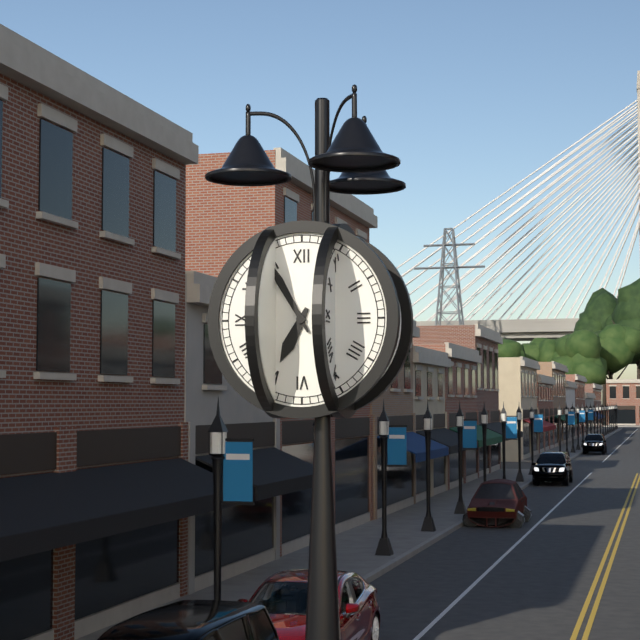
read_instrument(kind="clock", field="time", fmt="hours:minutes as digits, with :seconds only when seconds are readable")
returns 6:55
